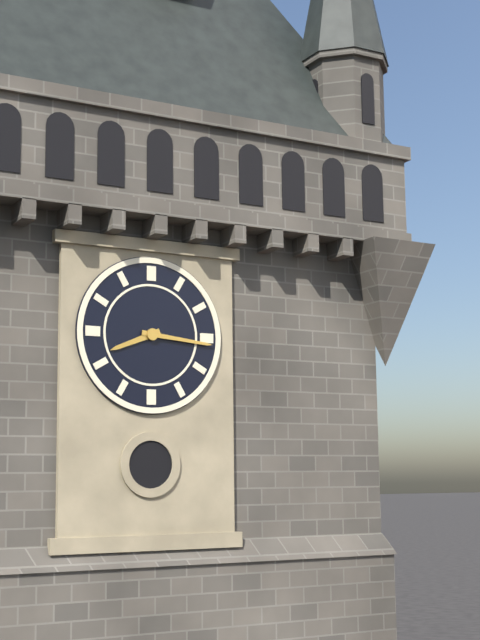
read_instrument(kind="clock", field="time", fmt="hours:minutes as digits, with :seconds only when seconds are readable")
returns 8:16
